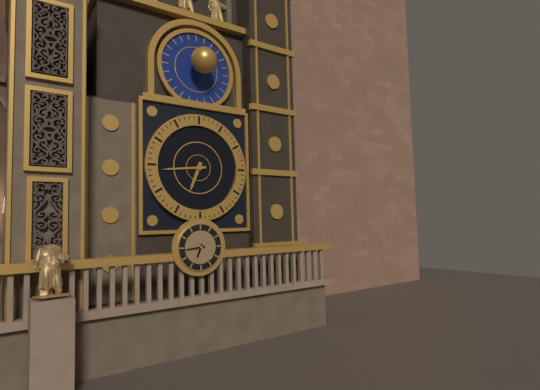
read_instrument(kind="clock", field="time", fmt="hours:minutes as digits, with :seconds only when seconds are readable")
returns 6:44
